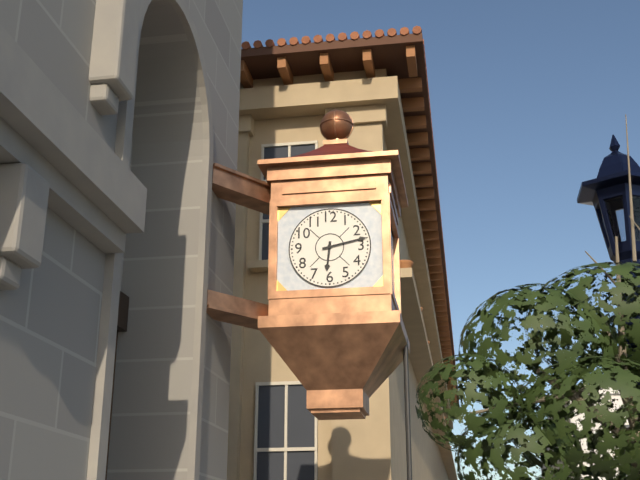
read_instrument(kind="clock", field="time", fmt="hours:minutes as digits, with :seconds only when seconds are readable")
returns 6:13
